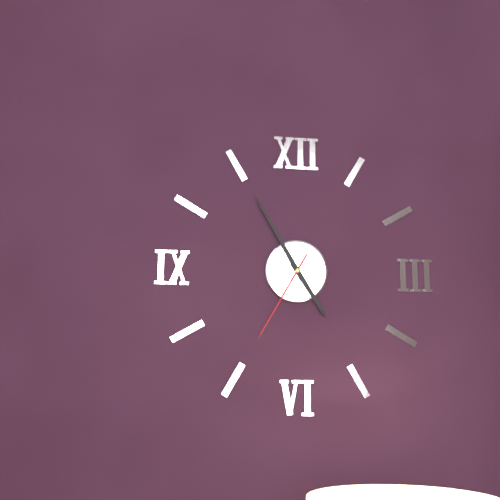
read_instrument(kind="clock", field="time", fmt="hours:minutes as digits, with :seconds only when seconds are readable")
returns 4:55:35
